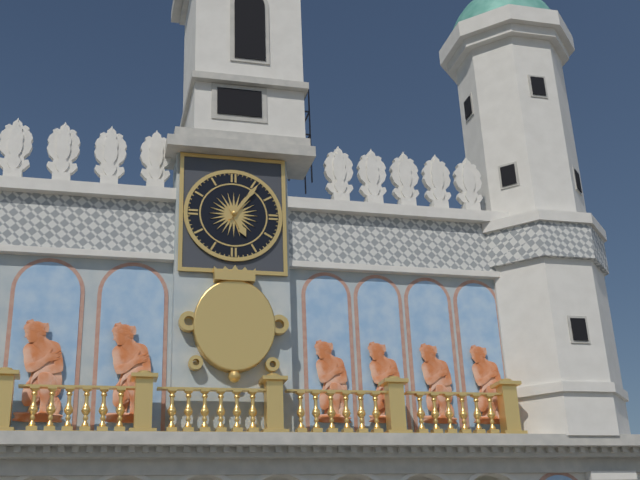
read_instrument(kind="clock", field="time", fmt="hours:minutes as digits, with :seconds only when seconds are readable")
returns 5:06
